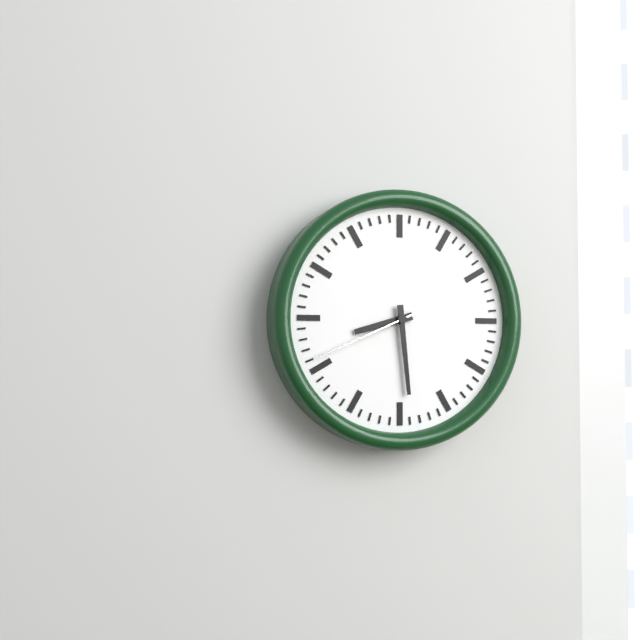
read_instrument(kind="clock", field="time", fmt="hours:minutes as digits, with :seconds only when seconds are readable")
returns 8:29:41
